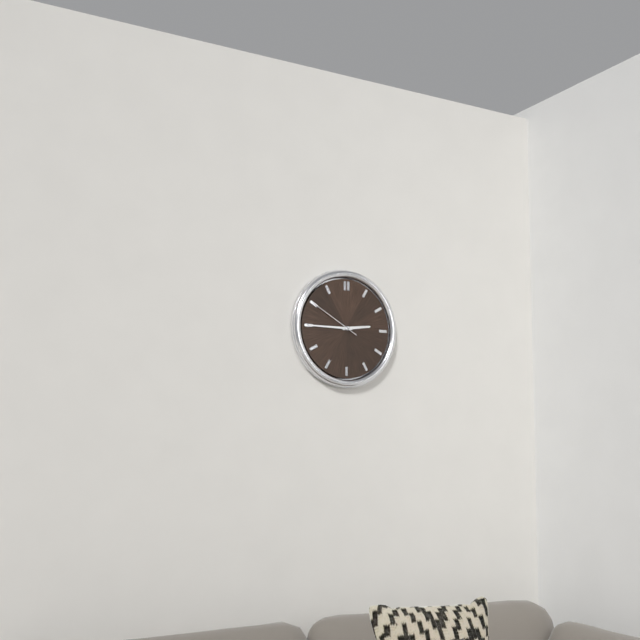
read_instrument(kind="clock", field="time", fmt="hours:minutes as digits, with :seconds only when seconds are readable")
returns 2:45:50
